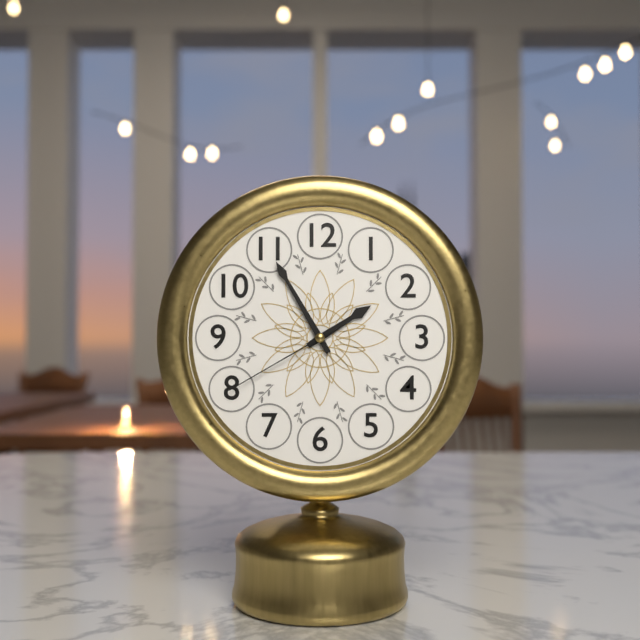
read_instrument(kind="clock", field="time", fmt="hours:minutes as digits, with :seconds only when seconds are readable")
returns 1:55:40
